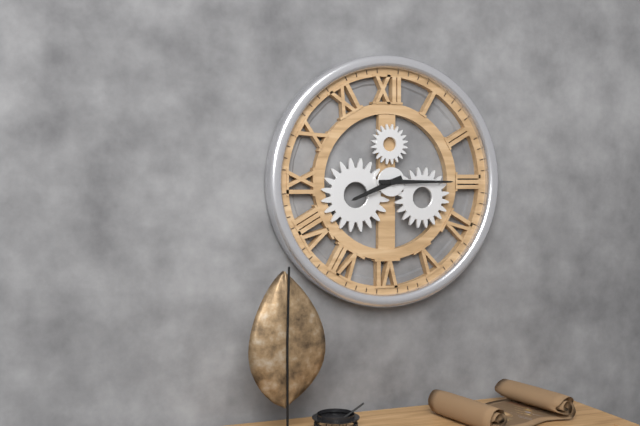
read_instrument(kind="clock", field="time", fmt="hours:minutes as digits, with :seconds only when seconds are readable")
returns 8:15
